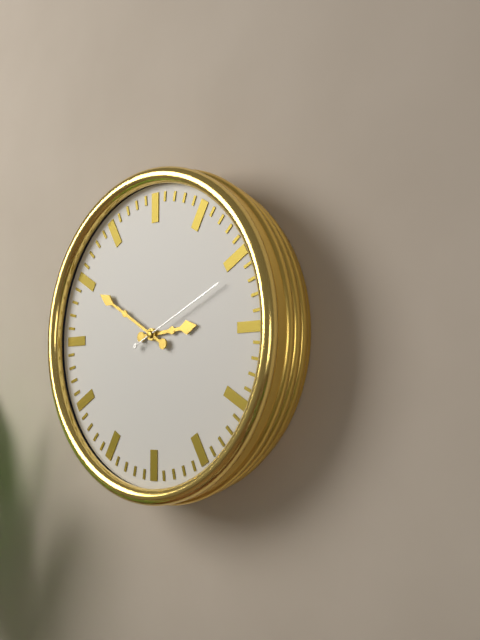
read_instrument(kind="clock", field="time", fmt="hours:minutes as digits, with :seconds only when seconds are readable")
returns 2:50:11
